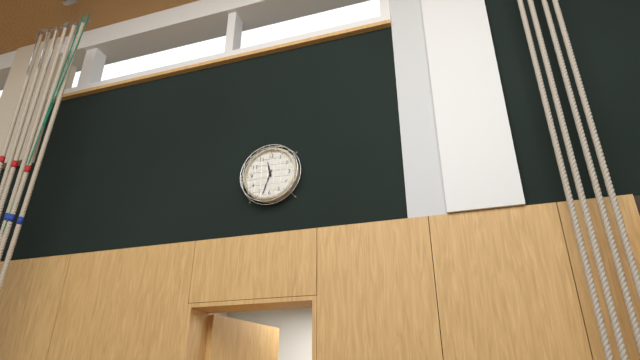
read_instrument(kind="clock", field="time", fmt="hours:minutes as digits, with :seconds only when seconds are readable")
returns 11:33
